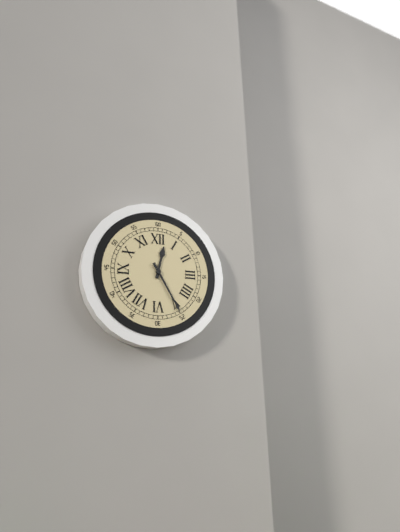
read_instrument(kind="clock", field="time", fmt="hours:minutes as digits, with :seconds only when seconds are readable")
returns 12:25
